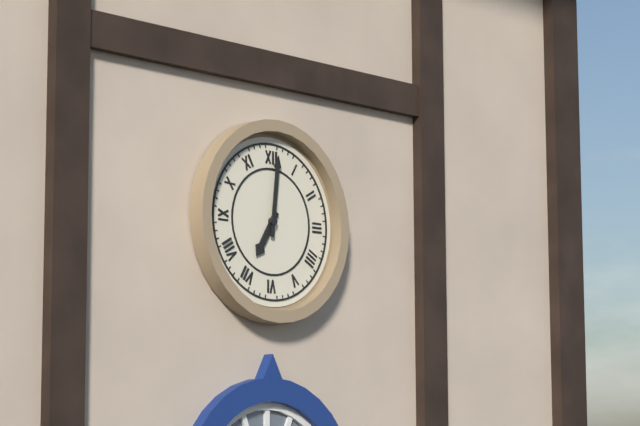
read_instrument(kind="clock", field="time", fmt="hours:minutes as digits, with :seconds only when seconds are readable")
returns 7:01
